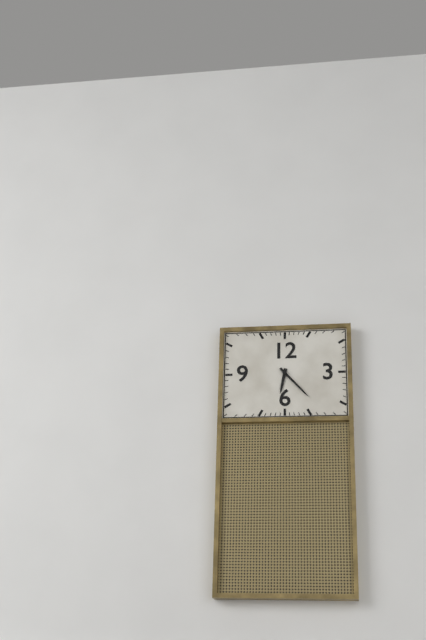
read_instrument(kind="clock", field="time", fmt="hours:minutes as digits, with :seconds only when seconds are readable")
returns 6:23
